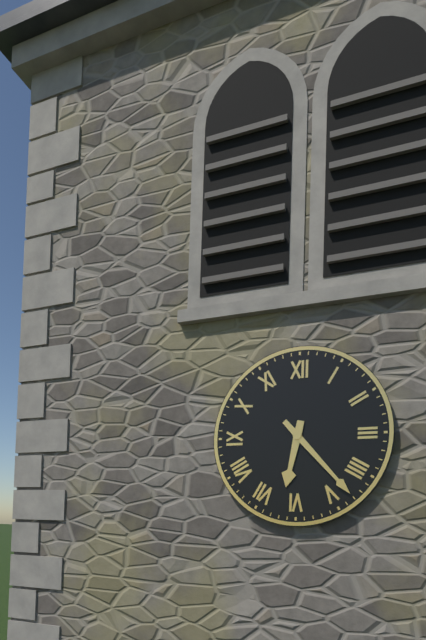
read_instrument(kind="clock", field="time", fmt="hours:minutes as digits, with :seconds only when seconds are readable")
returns 6:23
